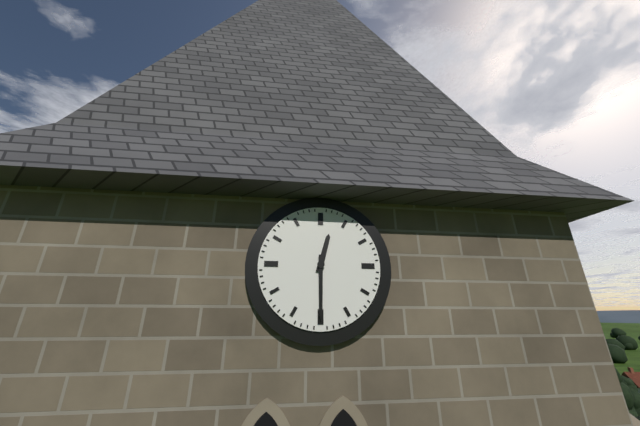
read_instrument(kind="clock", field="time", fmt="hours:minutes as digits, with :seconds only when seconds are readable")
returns 12:30
